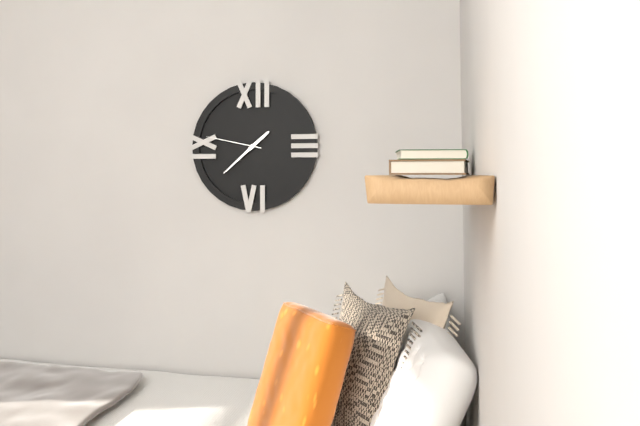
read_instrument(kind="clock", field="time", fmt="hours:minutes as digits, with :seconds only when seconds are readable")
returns 1:38:47
